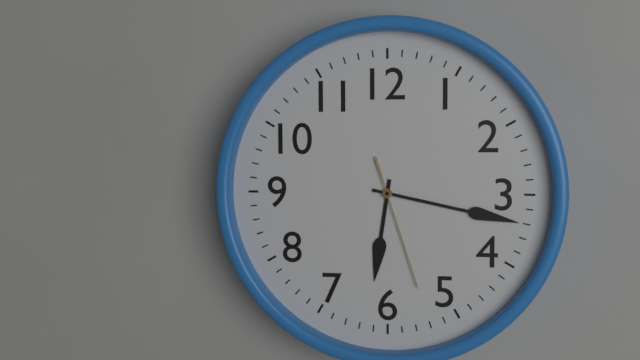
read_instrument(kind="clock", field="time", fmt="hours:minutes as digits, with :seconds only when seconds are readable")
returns 6:17:27
